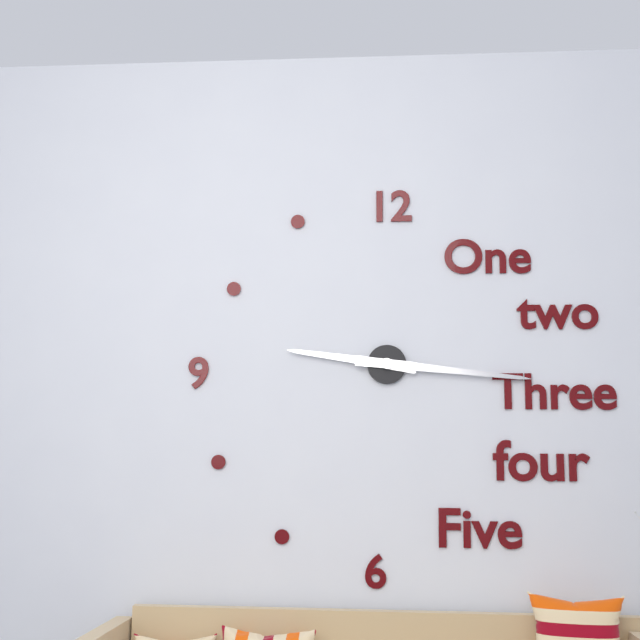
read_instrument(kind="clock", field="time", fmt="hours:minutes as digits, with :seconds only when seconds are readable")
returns 9:16
